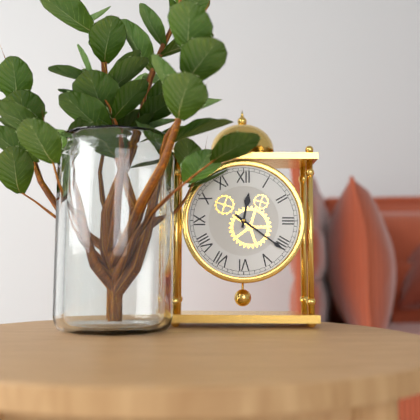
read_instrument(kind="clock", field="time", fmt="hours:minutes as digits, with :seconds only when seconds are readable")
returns 12:21
